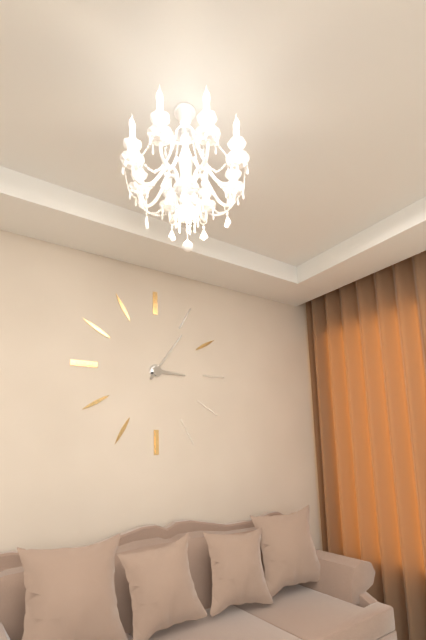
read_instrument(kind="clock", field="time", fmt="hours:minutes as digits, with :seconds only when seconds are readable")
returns 3:06
